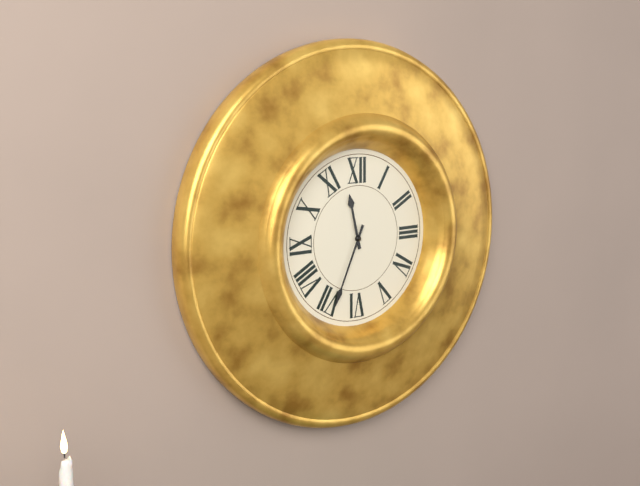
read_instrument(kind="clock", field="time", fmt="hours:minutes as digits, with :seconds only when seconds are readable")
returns 11:34
